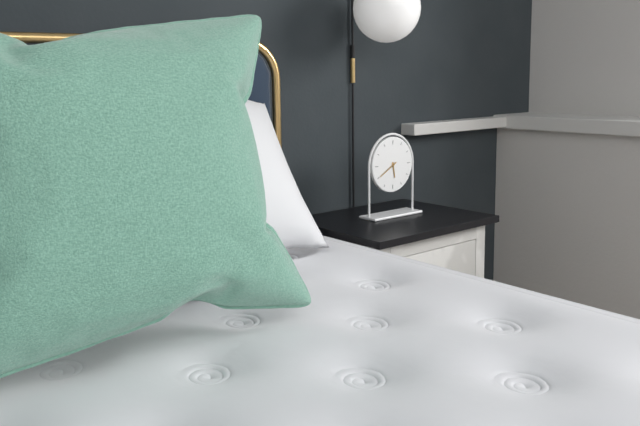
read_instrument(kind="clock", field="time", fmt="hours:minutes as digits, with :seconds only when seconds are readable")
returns 5:40
